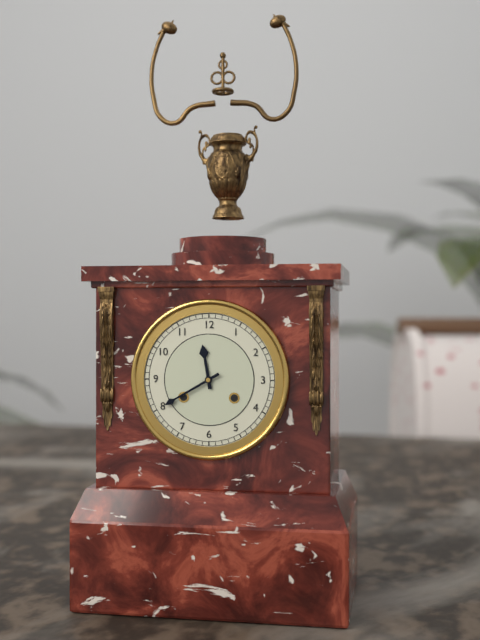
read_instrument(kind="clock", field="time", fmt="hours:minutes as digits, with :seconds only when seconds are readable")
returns 11:40
